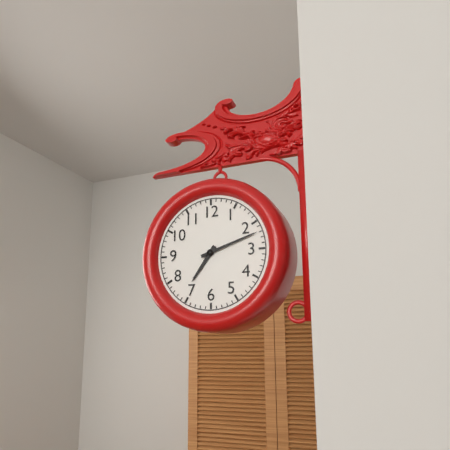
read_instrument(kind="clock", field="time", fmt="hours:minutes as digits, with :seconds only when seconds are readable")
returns 7:12
